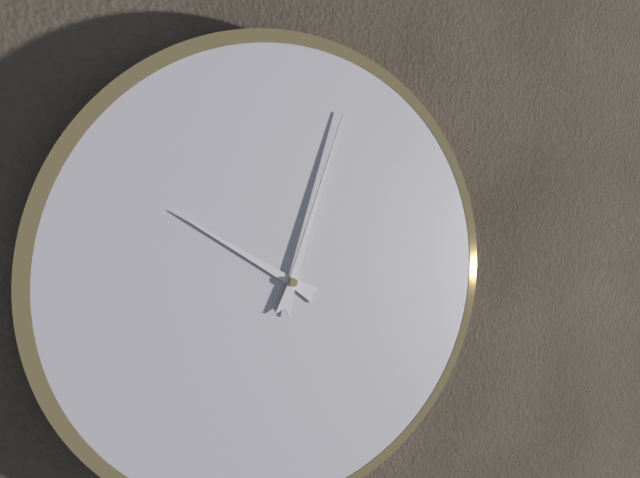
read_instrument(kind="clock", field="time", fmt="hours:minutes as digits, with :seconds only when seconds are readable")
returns 10:03
